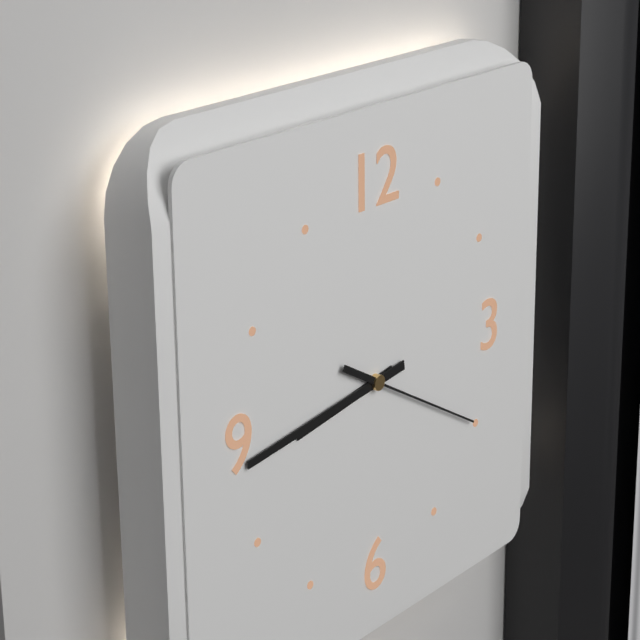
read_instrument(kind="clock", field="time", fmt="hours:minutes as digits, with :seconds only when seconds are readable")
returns 8:44:20
